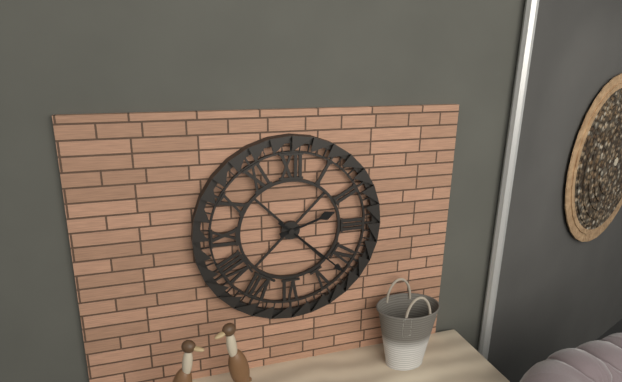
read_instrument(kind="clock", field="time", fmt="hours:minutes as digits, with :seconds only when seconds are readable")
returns 2:22
